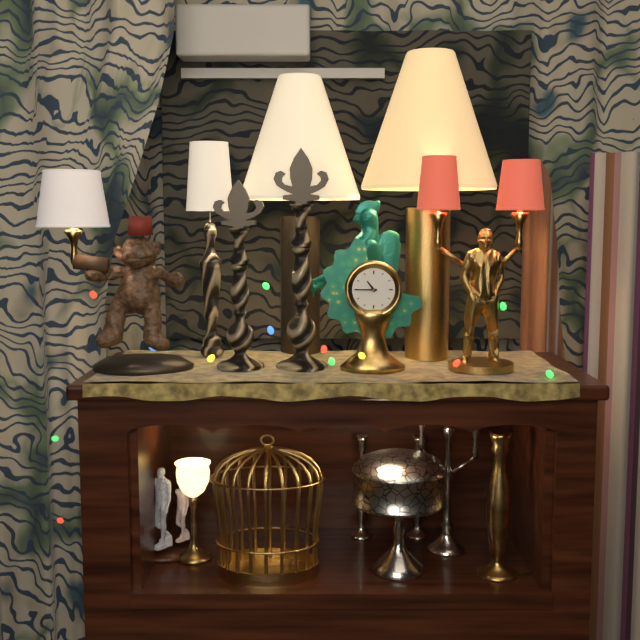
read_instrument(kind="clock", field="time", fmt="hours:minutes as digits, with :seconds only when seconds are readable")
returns 10:45
